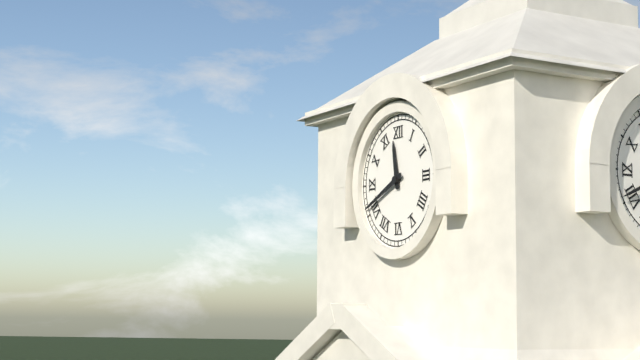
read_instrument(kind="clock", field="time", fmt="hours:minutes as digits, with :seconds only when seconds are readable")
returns 11:41
